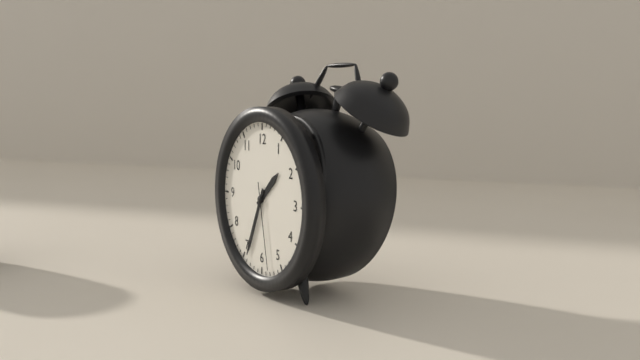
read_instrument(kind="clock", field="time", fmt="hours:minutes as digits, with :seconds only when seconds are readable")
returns 1:34:28
